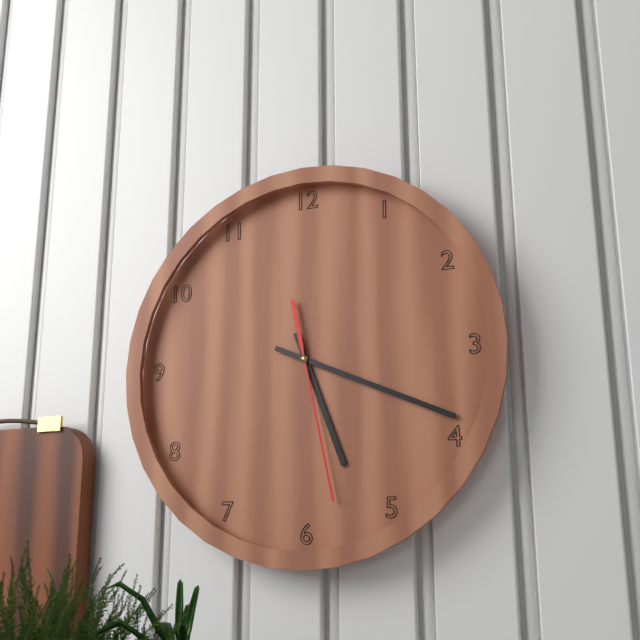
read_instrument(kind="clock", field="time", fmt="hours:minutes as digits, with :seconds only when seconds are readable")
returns 5:19:28
